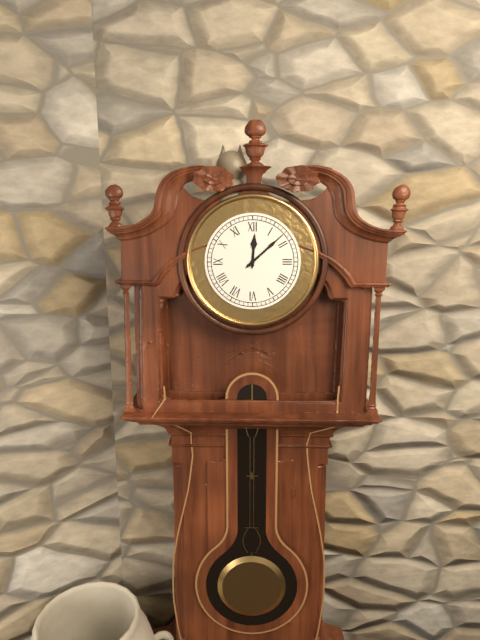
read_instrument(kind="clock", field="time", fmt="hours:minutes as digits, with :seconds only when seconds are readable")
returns 12:08
